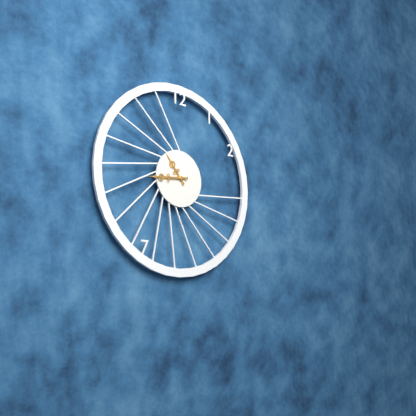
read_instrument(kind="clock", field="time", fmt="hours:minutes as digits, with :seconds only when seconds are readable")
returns 10:44
